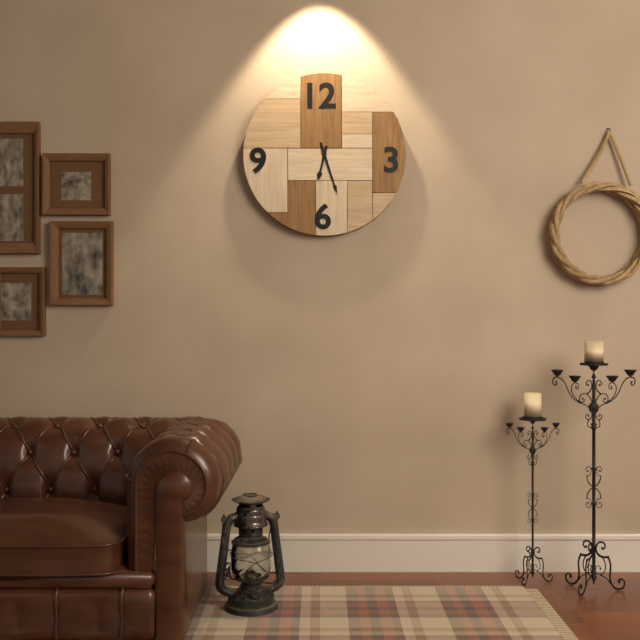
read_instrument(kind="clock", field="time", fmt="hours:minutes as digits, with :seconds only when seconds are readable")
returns 6:27
